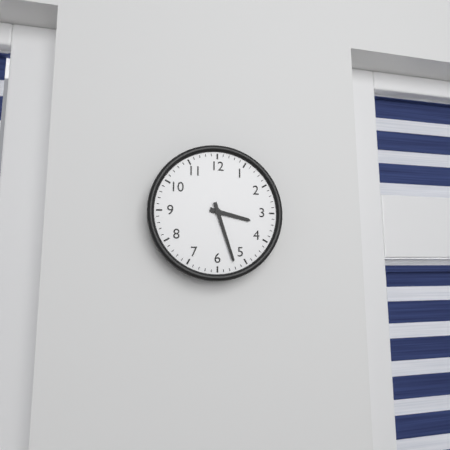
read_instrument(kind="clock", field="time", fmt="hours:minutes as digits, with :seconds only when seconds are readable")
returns 3:27
